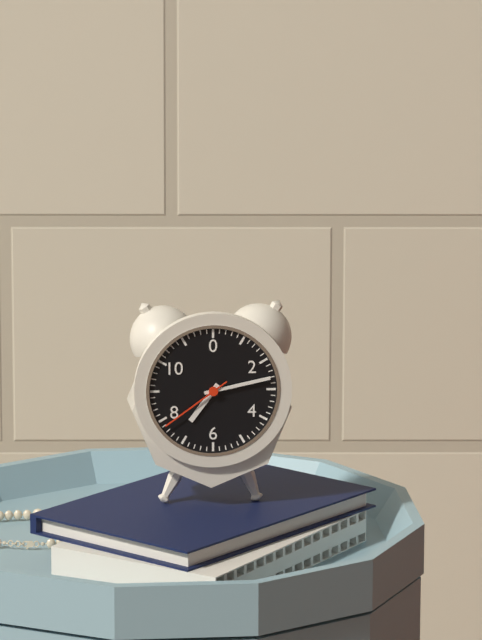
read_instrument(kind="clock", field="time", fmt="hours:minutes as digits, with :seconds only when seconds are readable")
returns 7:13:39
